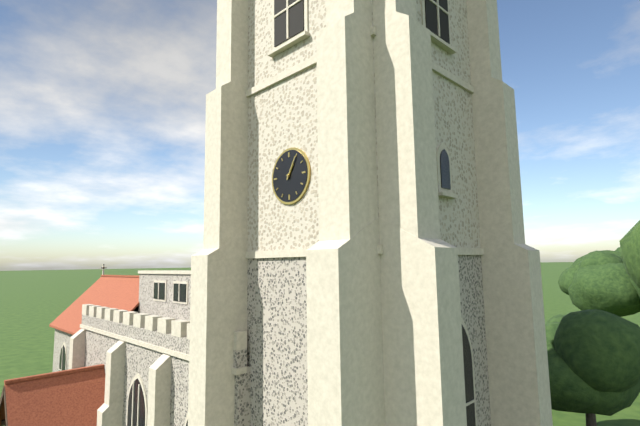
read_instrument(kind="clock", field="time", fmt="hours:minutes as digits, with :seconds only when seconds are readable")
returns 1:05
